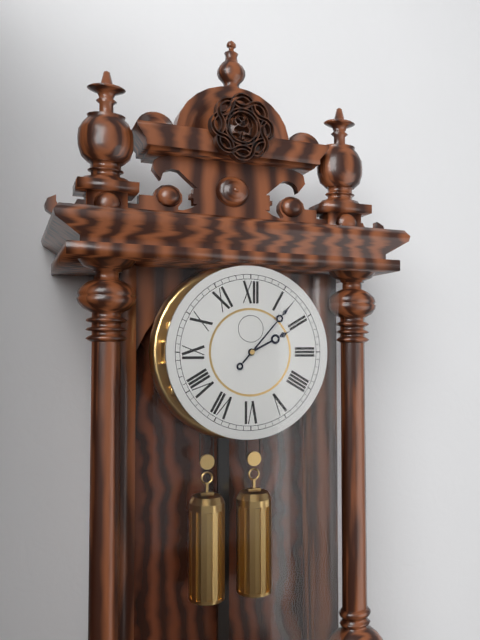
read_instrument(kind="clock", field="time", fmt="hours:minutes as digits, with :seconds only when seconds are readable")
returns 2:07
